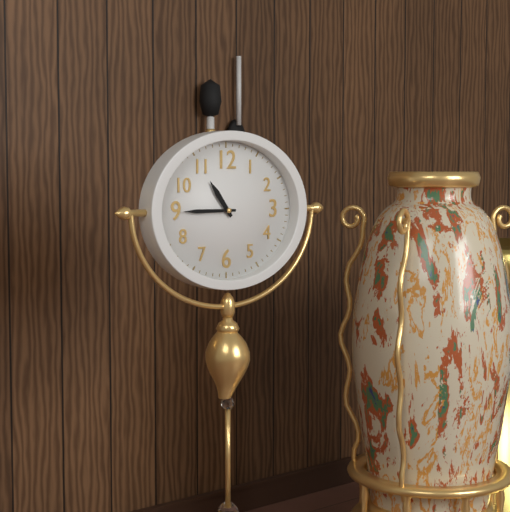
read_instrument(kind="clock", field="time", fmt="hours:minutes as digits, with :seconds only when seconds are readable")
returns 10:45
